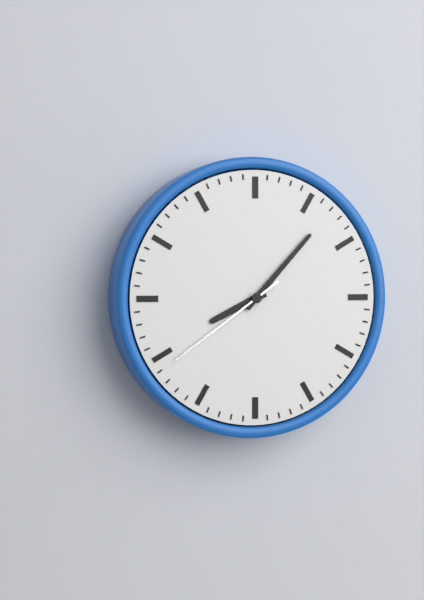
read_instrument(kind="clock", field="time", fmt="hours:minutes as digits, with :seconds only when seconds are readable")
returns 8:07:39
